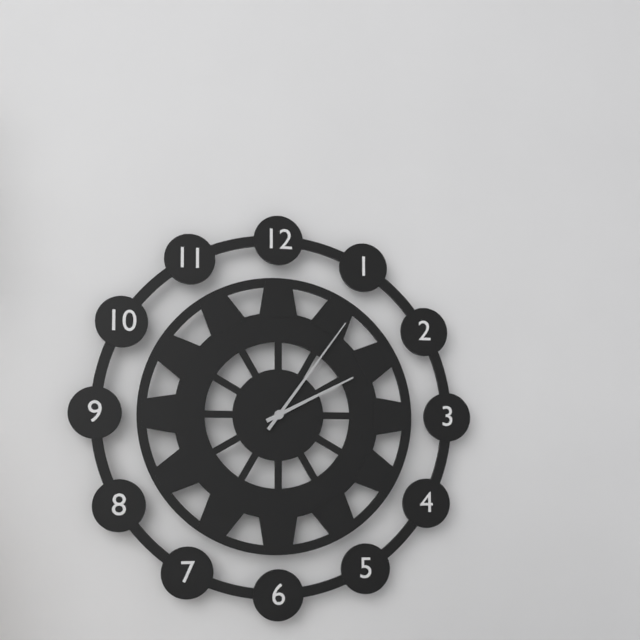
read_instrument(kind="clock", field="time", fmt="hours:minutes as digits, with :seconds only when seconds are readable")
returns 2:06
